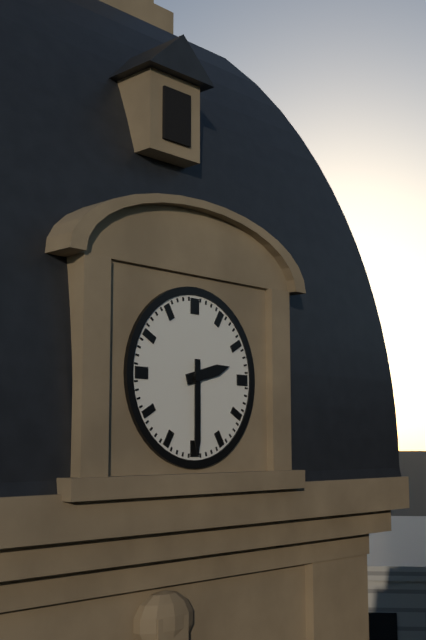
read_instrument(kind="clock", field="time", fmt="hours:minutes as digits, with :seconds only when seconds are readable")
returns 2:30
